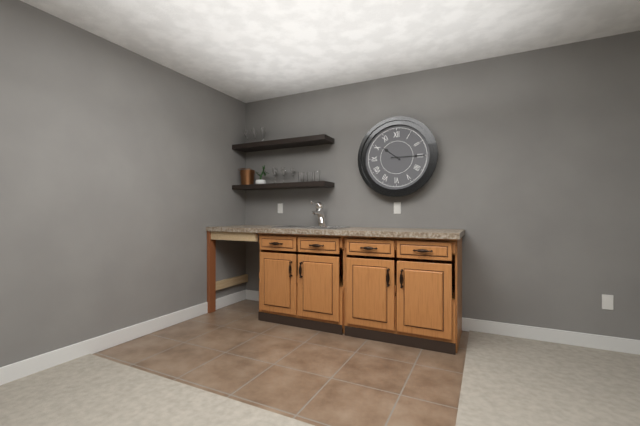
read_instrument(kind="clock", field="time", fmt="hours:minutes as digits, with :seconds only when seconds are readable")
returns 10:15
